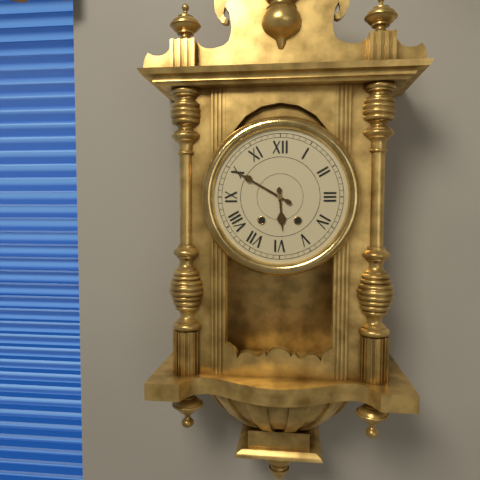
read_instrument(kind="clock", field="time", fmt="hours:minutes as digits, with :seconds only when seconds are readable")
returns 5:50
